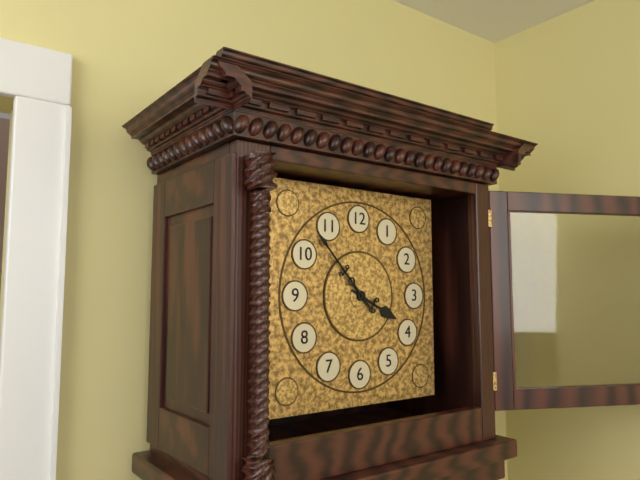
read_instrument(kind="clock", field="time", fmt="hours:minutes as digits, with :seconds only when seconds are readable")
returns 3:53
